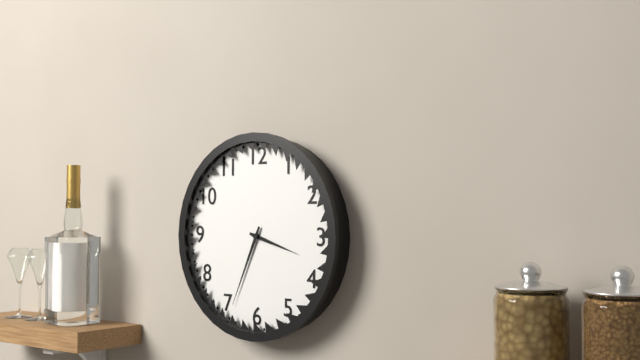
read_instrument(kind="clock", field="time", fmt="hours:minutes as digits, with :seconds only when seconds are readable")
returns 3:34
